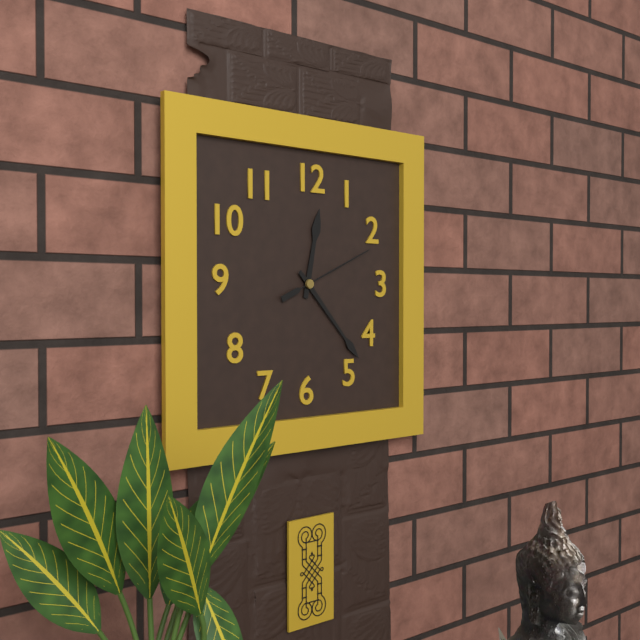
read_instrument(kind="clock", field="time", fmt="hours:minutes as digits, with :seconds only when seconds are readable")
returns 12:23:11
